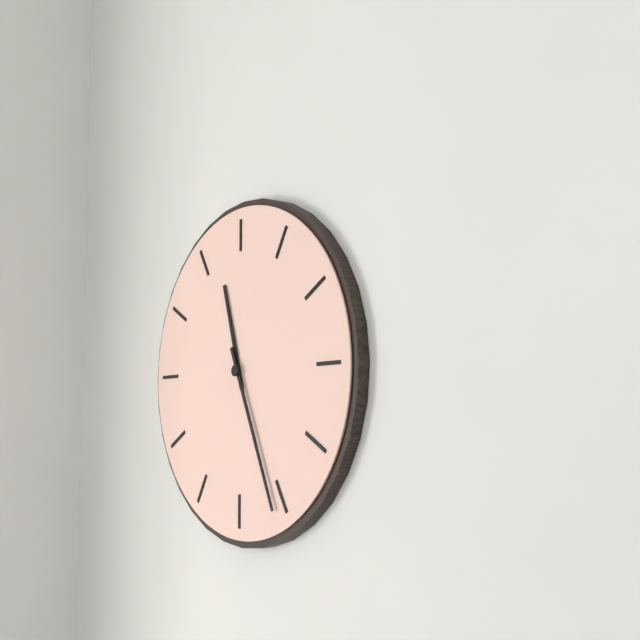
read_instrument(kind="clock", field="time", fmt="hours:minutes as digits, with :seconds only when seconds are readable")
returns 11:26
